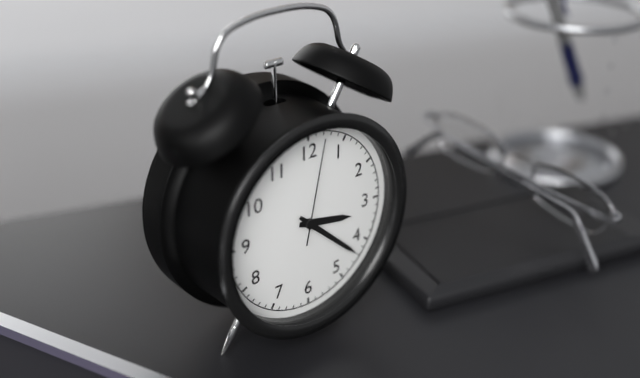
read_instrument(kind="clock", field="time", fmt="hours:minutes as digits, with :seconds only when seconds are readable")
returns 3:22:02
